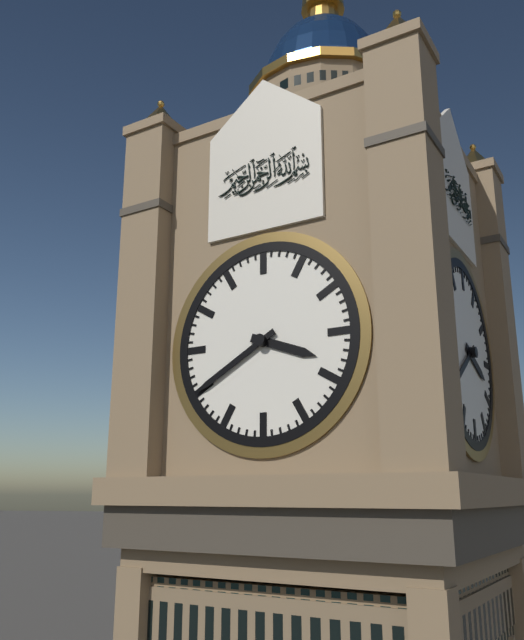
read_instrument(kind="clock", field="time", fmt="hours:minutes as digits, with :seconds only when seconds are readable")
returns 3:40
